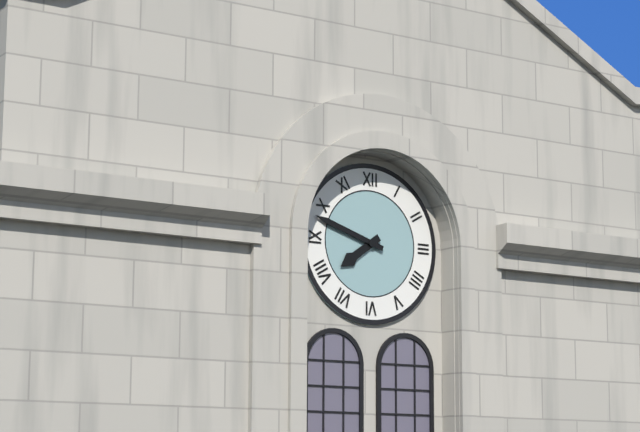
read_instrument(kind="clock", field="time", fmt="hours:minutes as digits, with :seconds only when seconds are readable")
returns 7:48
